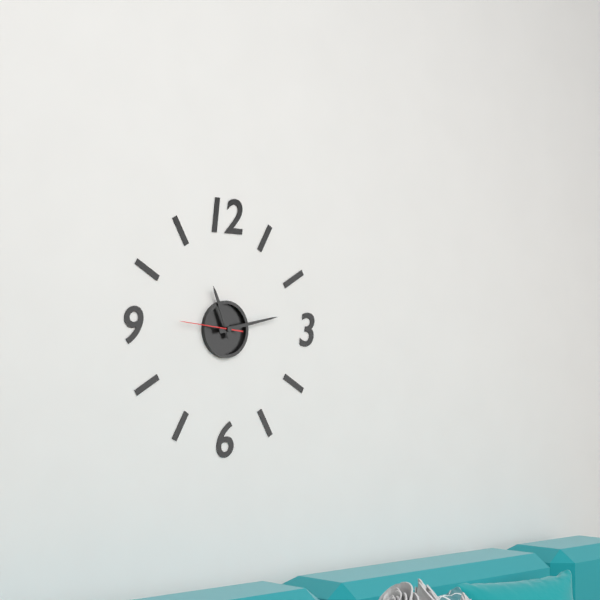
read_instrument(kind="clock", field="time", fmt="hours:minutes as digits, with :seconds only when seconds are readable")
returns 11:13:46
